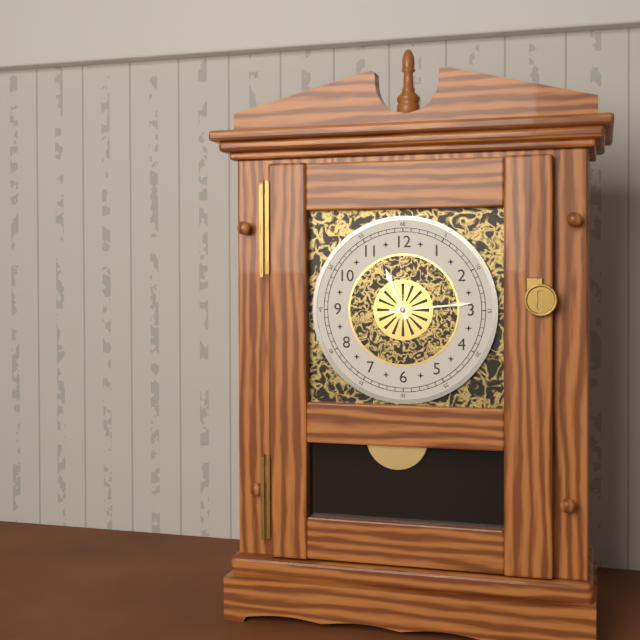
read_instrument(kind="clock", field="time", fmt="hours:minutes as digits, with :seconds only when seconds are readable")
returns 11:14
